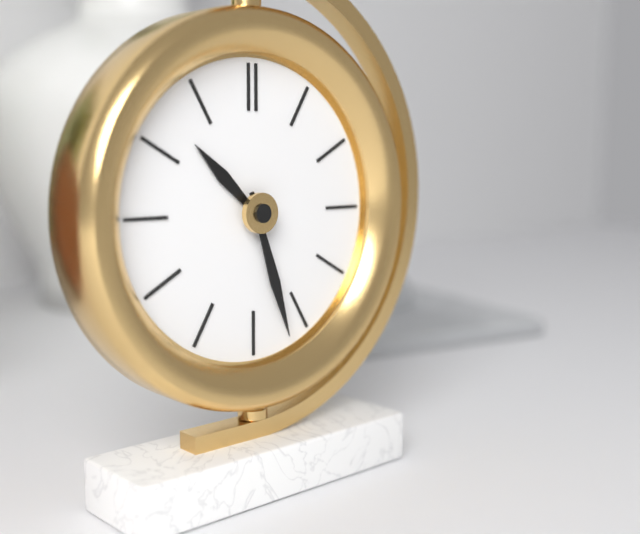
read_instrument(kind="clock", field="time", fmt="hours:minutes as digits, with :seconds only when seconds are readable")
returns 10:27
